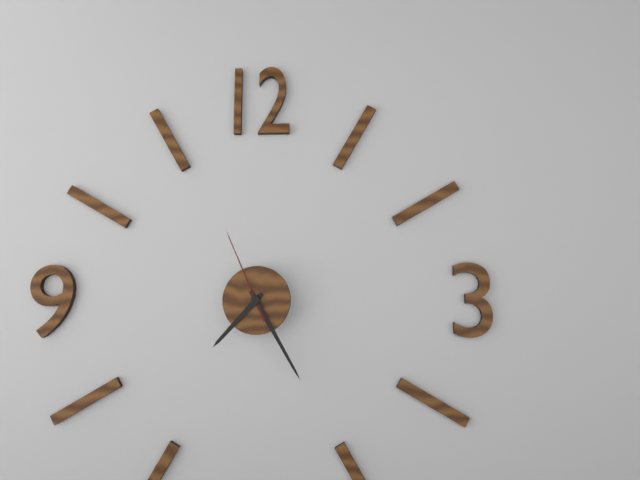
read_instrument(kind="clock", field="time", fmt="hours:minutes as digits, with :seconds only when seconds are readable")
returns 7:25:56
